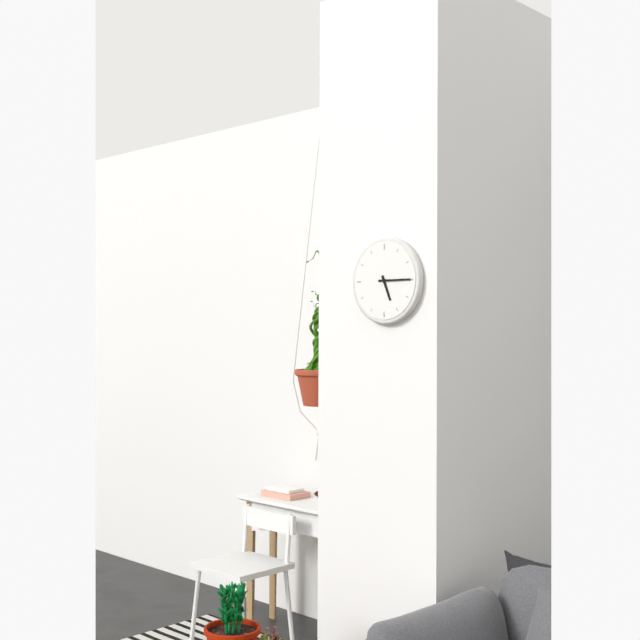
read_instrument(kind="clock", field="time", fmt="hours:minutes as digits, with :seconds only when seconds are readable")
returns 5:15
